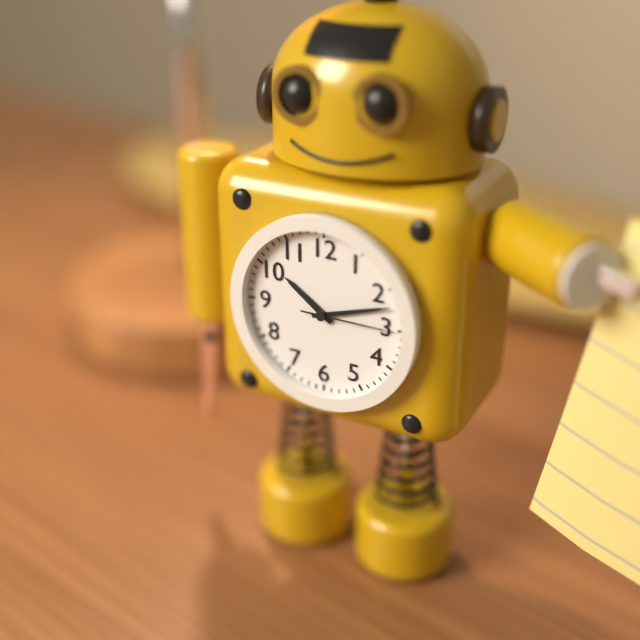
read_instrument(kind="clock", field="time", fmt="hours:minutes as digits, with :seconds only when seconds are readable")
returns 10:12:15
